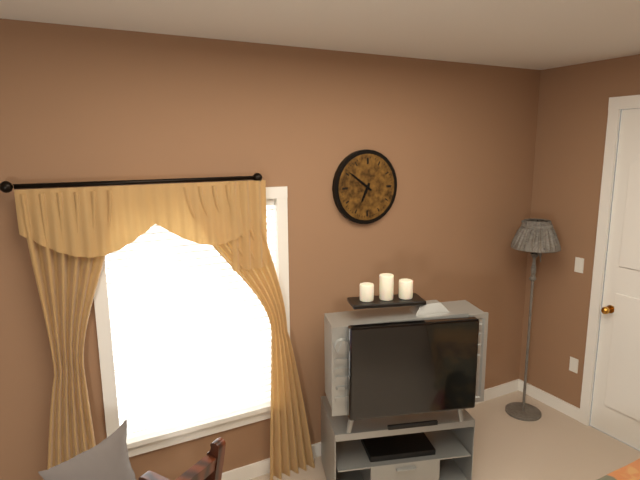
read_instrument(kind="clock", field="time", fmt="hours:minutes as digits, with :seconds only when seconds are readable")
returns 6:51
